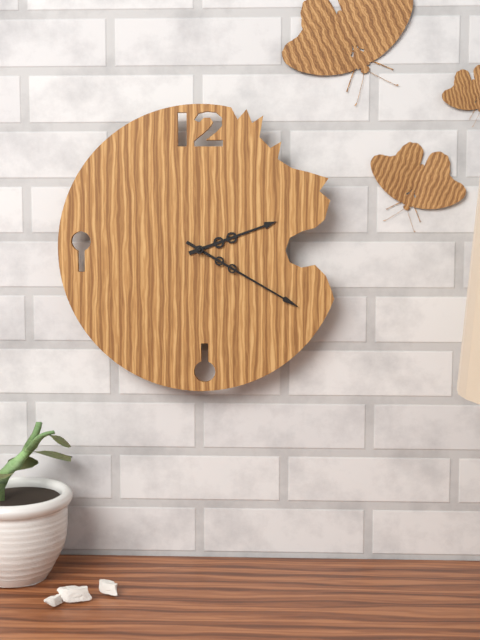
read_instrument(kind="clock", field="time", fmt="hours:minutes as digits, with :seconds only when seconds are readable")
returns 2:20
